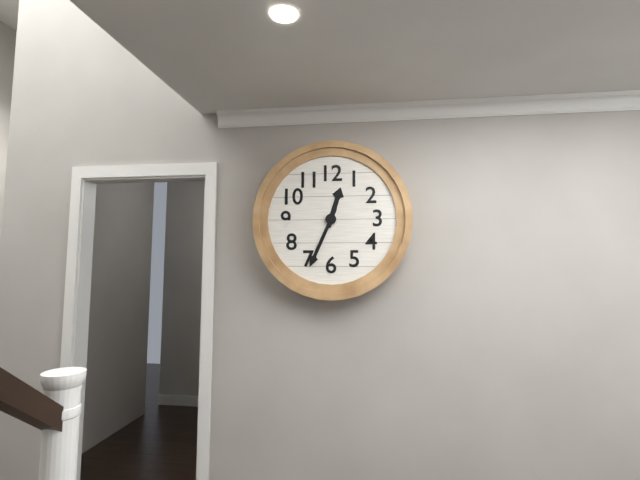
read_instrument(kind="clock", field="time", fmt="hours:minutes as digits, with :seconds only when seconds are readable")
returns 12:34
